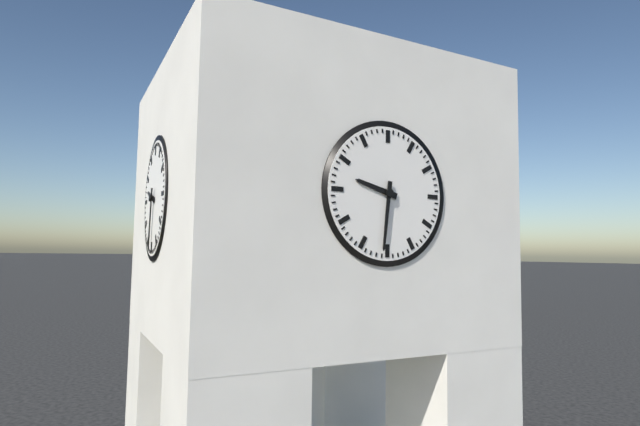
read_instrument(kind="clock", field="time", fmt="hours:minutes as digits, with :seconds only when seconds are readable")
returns 9:31
